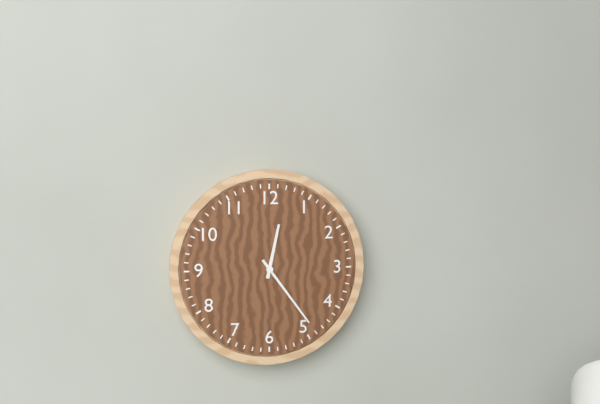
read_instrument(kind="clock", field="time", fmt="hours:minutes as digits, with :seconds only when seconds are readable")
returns 12:24
